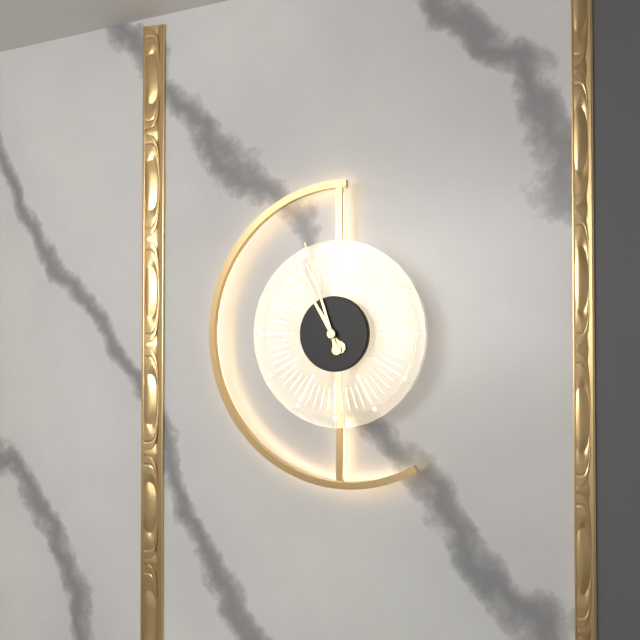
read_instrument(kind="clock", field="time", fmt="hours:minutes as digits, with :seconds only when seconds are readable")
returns 10:57
